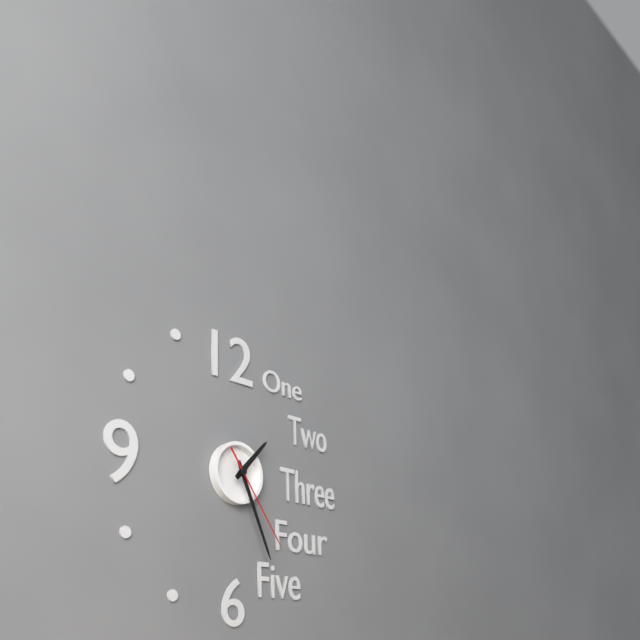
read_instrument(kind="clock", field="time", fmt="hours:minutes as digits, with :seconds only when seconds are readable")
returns 1:26:24
